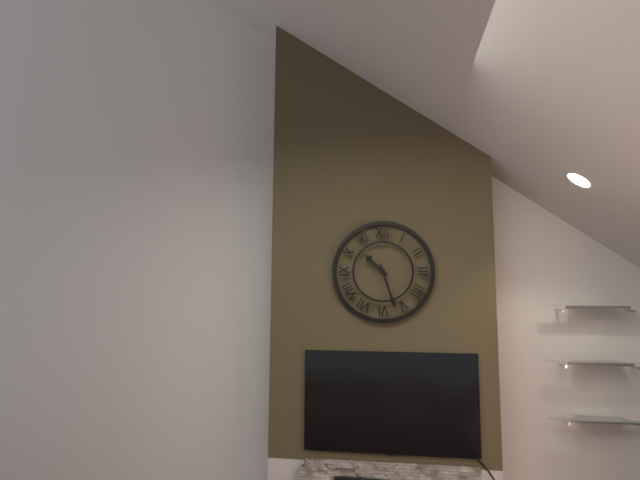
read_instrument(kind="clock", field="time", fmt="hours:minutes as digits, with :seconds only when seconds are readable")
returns 10:27
